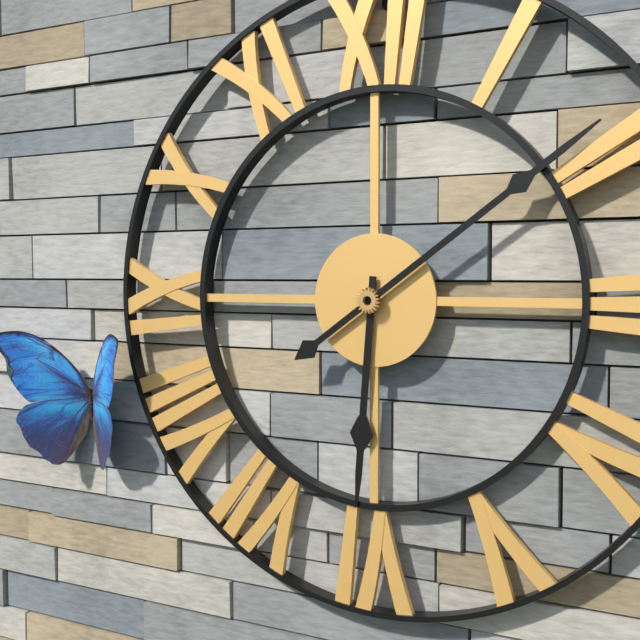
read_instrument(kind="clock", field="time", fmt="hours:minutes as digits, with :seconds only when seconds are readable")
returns 6:09
